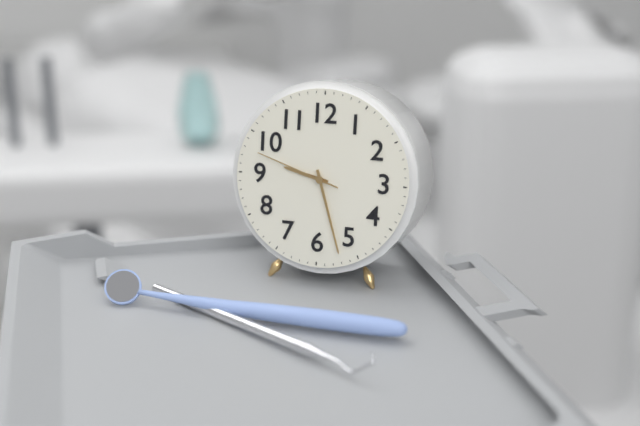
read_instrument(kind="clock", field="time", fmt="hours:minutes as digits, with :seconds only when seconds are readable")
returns 9:27:48
